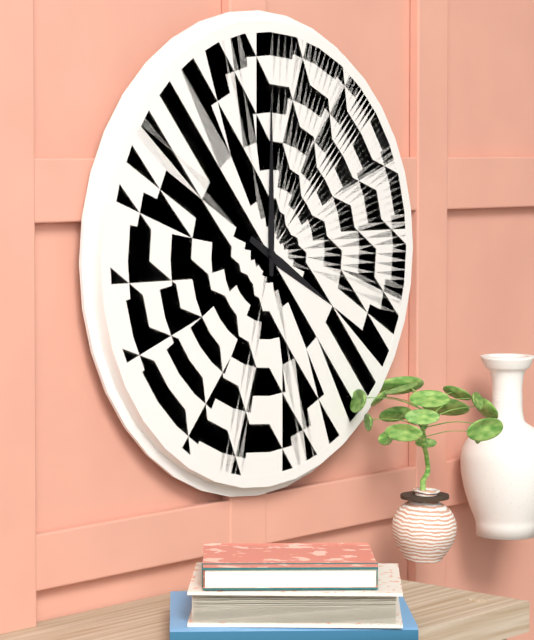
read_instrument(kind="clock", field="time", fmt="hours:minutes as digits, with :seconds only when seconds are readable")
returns 4:00
